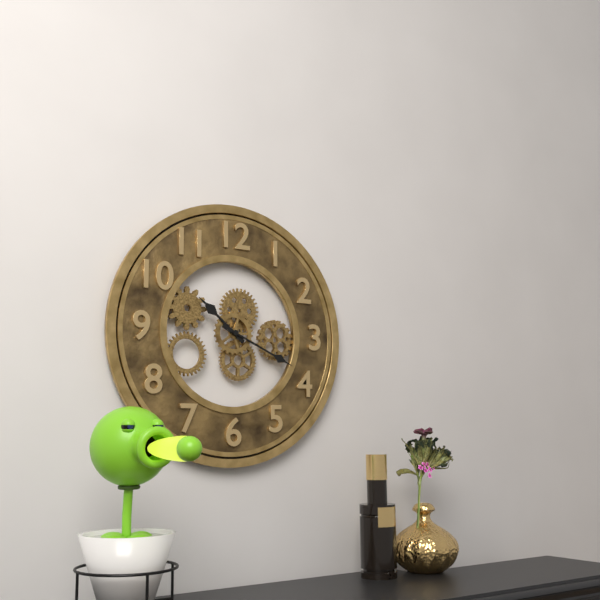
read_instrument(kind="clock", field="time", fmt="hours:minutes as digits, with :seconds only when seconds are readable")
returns 10:19
